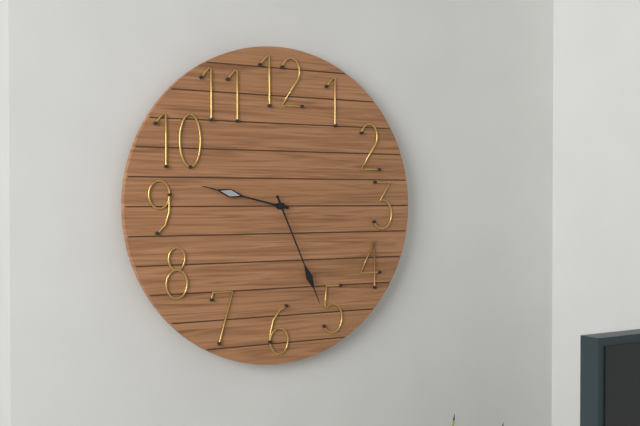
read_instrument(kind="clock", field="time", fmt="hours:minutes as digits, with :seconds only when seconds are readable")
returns 9:26
